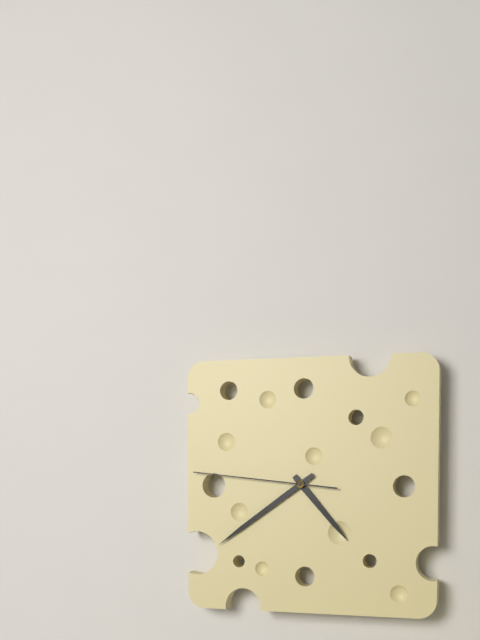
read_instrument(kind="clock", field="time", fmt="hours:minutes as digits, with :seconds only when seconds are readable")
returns 4:39:46
